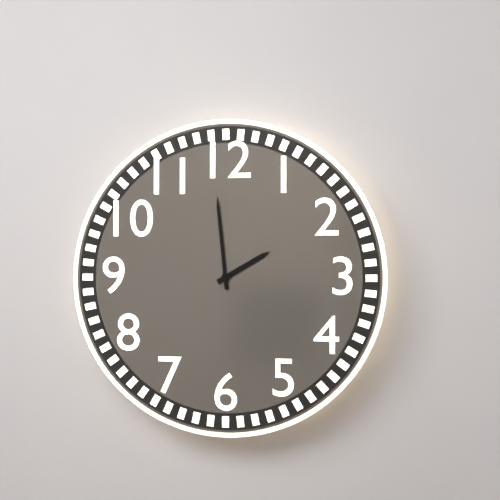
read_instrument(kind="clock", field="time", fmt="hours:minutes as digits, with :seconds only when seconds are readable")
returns 1:59
